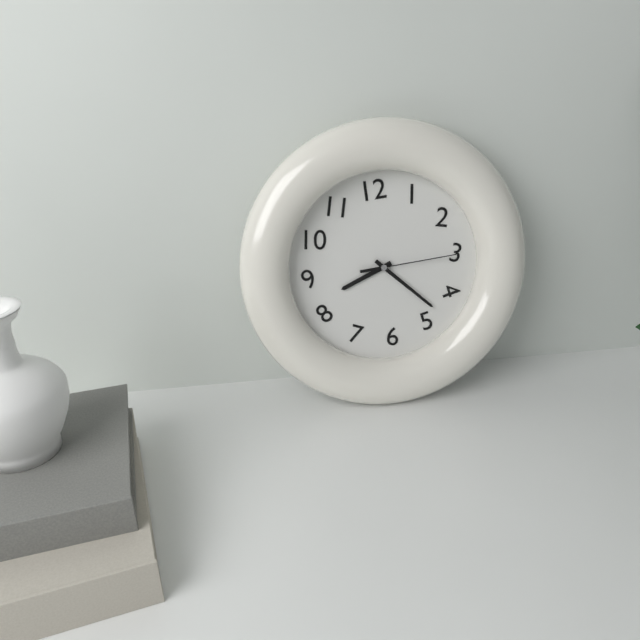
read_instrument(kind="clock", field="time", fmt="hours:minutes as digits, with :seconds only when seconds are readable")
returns 8:23:15
